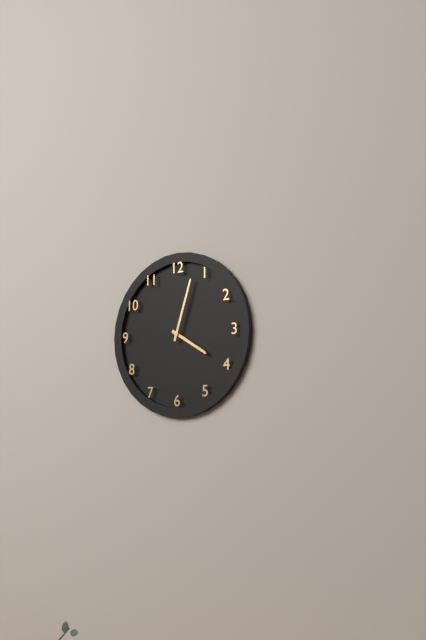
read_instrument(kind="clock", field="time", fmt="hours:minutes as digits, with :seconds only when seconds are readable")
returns 4:03
